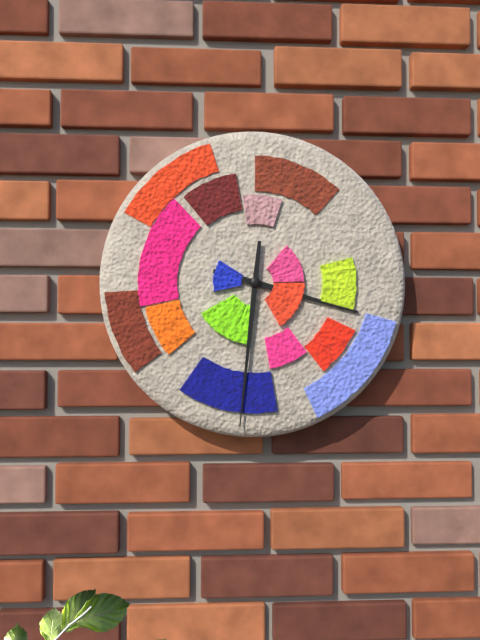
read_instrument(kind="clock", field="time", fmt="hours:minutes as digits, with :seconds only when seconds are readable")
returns 3:31
